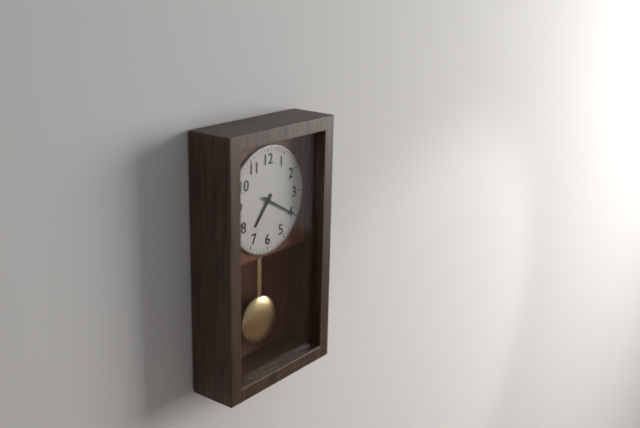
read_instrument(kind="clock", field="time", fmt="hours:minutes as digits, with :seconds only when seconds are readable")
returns 7:20
